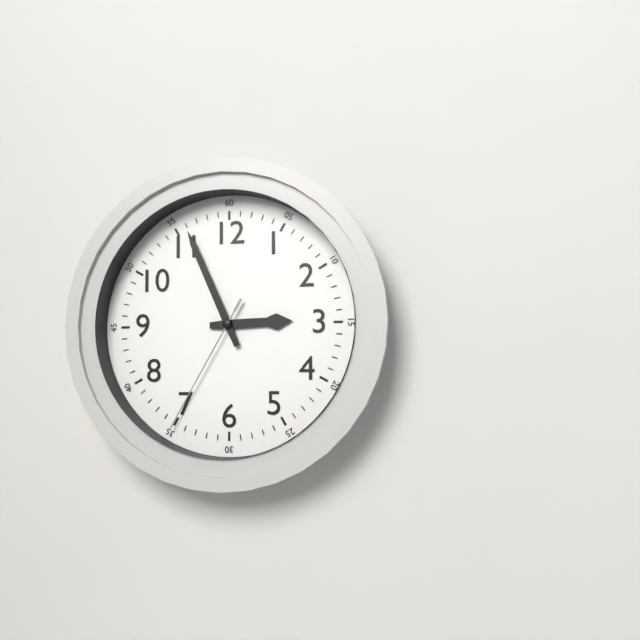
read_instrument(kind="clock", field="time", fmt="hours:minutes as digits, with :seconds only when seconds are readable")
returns 2:56:35
